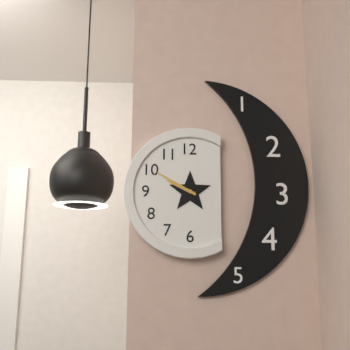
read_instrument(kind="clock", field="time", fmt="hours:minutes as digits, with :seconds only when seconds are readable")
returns 9:50
